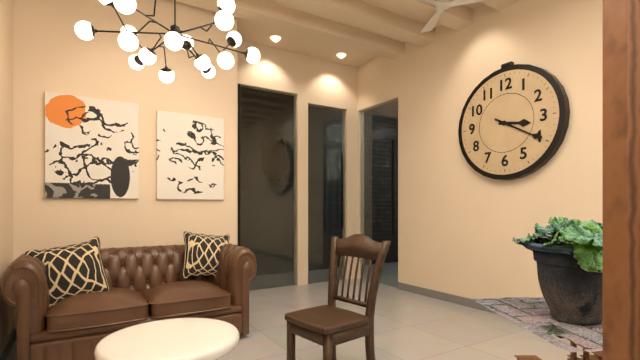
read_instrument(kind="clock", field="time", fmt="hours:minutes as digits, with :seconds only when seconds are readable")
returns 3:20
